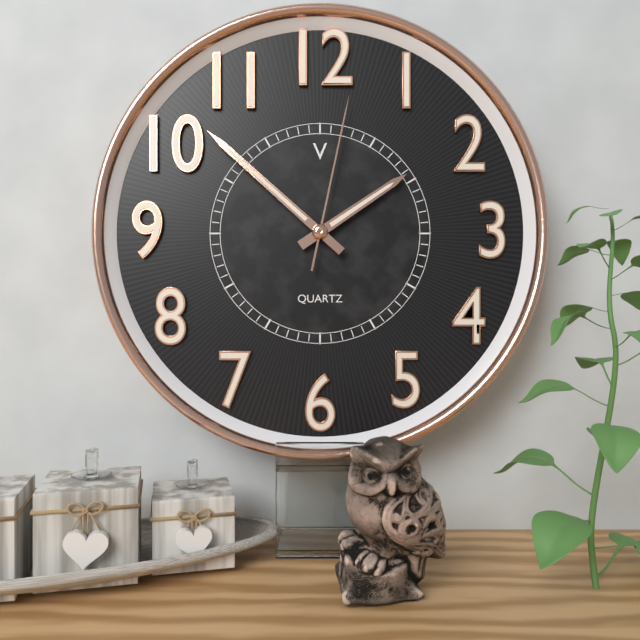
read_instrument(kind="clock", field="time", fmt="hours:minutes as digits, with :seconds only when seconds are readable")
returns 1:52:02
